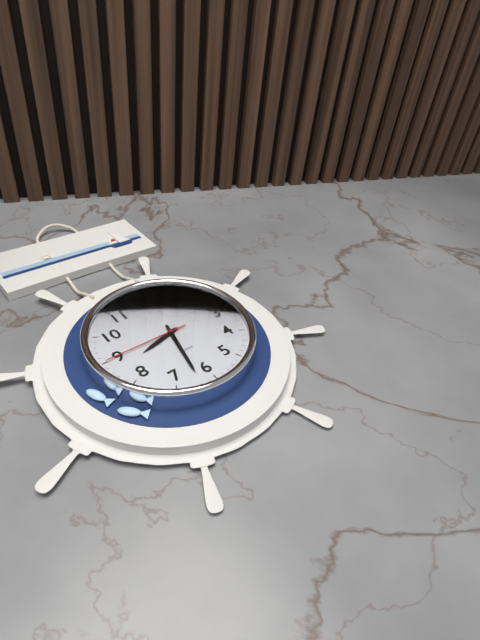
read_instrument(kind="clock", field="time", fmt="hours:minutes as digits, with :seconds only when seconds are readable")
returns 8:32:45
